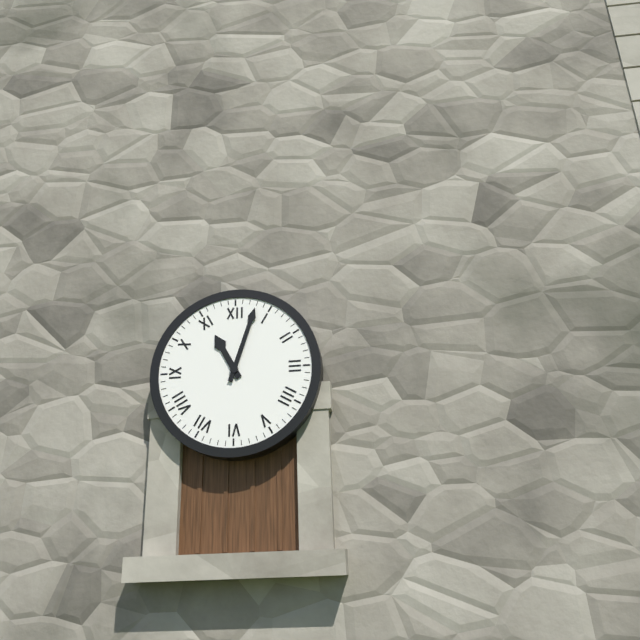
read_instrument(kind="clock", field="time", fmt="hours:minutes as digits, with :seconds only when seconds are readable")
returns 11:03
